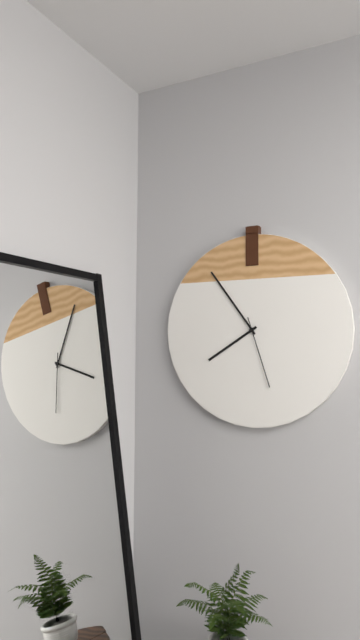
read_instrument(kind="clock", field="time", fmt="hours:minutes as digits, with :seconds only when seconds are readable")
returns 7:54:27
